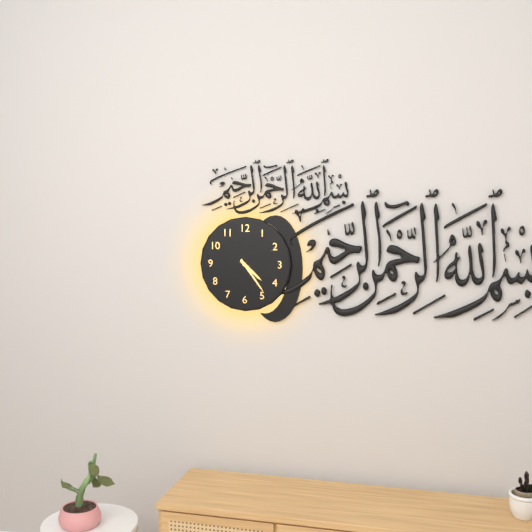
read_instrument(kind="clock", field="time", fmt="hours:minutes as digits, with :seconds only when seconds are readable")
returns 4:24
